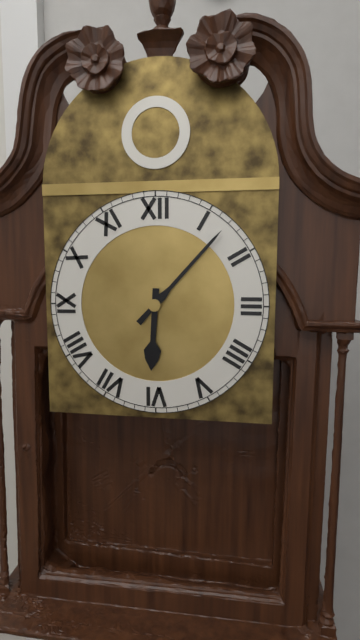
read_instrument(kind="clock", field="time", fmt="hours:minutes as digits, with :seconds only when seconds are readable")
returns 6:07
